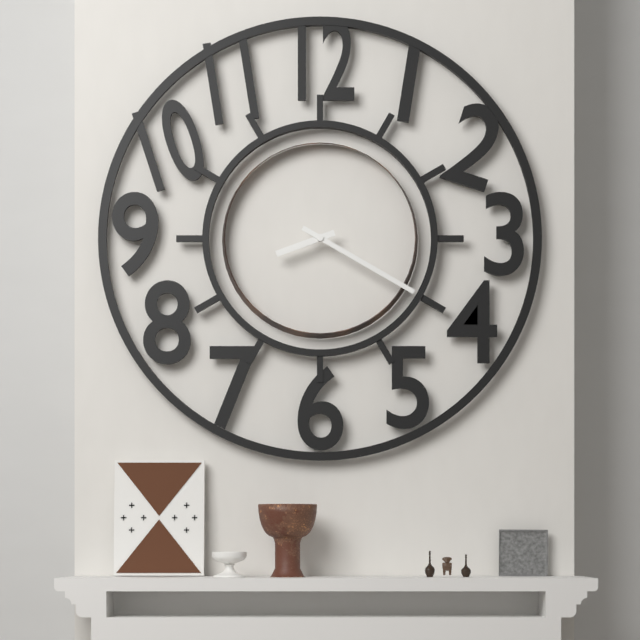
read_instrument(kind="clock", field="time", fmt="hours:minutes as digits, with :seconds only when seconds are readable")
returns 8:20
